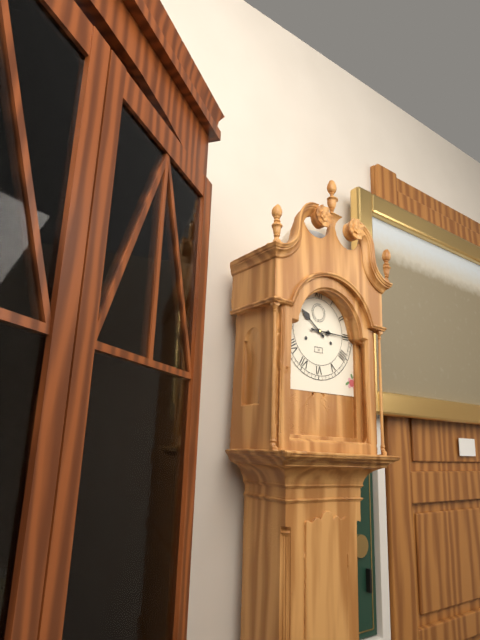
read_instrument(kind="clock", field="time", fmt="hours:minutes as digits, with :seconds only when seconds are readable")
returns 10:15
